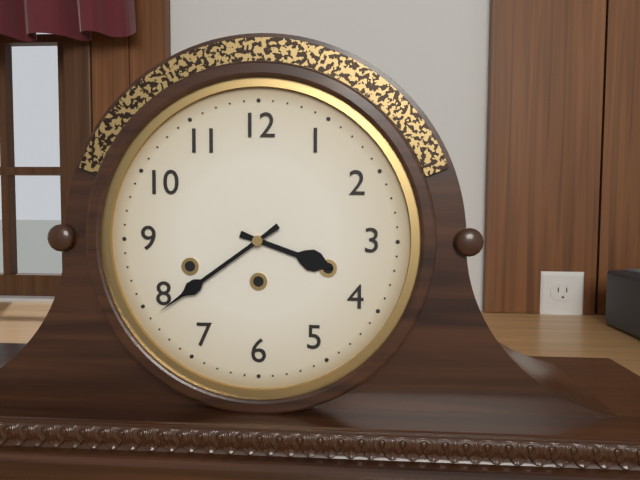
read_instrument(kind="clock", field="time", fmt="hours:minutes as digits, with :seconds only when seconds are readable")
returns 3:39
